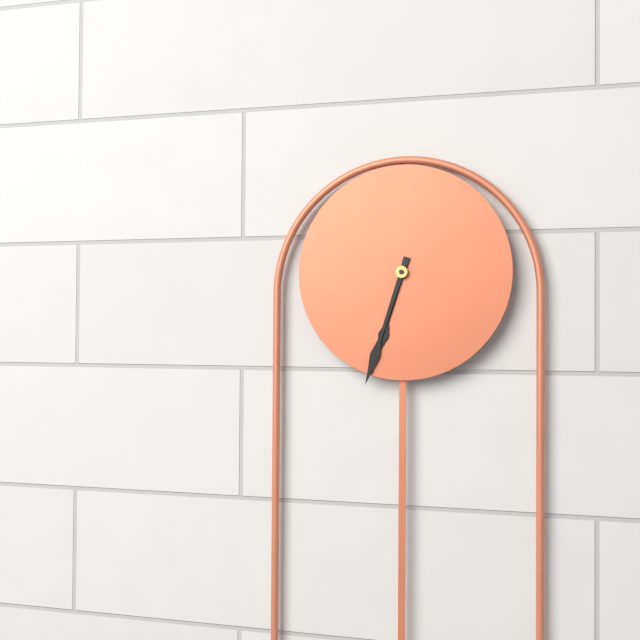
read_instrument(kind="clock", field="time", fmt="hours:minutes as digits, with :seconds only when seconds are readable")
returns 6:33
